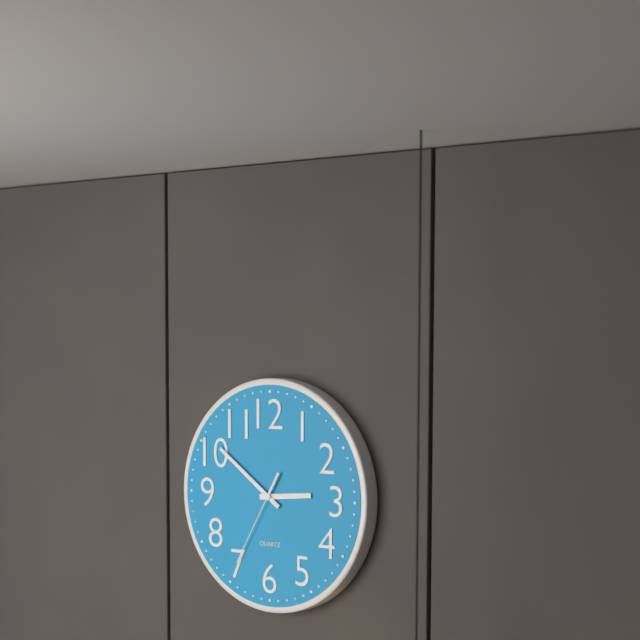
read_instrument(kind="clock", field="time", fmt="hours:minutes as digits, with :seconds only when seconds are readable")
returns 2:51:35
